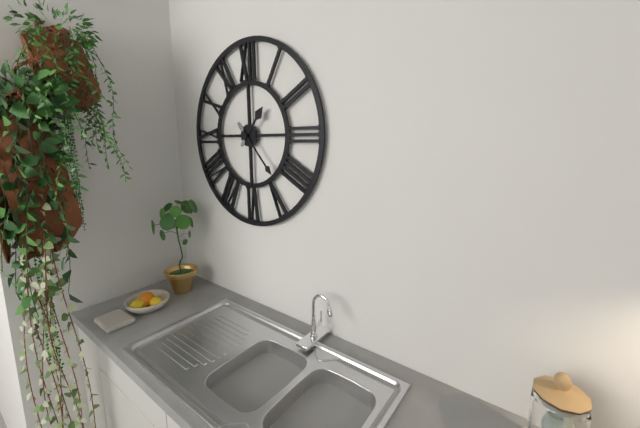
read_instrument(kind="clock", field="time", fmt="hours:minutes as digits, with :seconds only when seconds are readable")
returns 1:23
